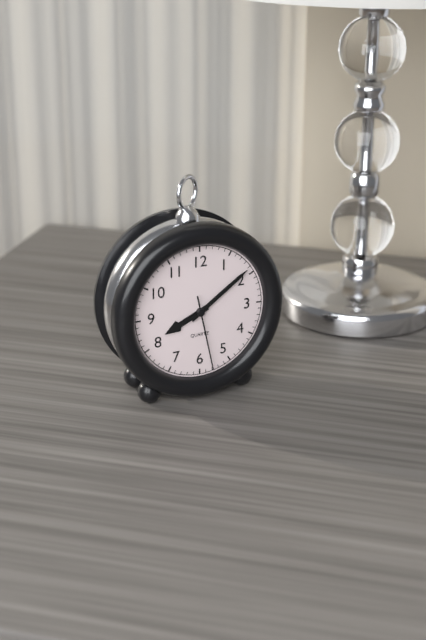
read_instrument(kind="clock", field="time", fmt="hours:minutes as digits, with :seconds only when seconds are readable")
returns 8:09:28
